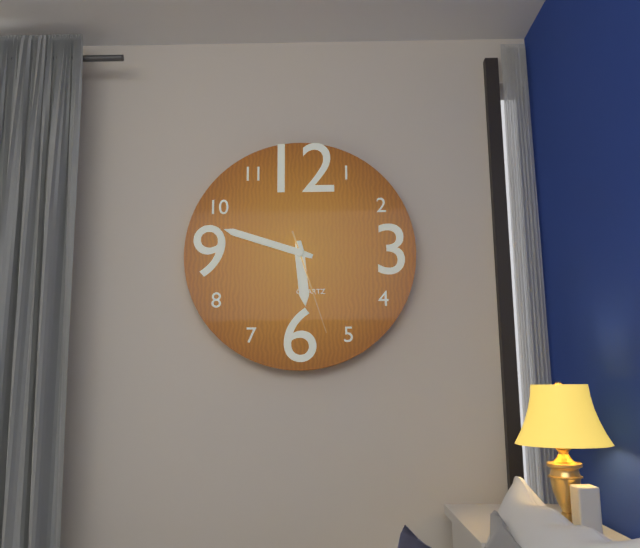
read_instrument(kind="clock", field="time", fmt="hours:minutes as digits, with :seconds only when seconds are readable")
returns 5:48:27
